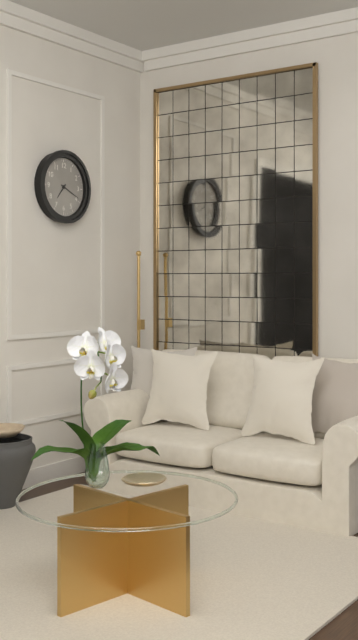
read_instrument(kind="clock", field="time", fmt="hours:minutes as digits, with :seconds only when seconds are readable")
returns 7:19
